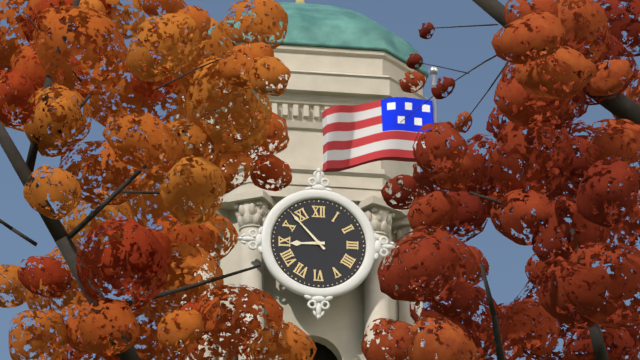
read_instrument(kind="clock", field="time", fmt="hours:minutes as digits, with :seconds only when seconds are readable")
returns 8:53
